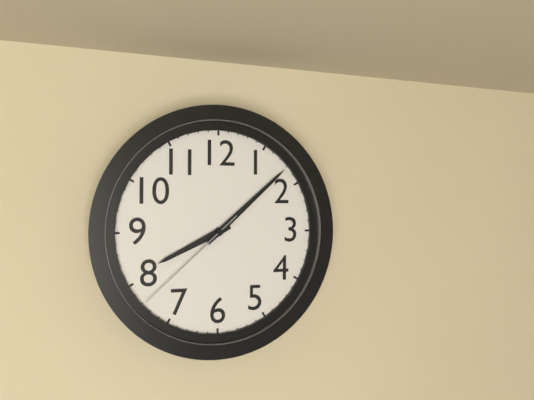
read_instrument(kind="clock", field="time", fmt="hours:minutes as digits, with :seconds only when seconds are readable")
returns 8:08:38
